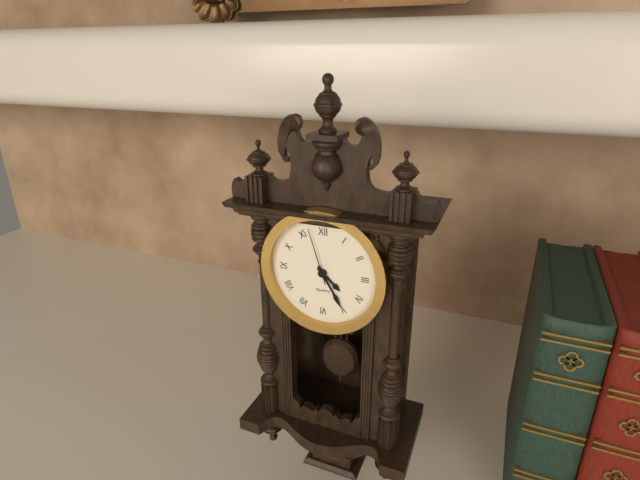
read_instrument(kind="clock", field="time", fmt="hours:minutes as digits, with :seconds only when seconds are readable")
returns 4:25:57
